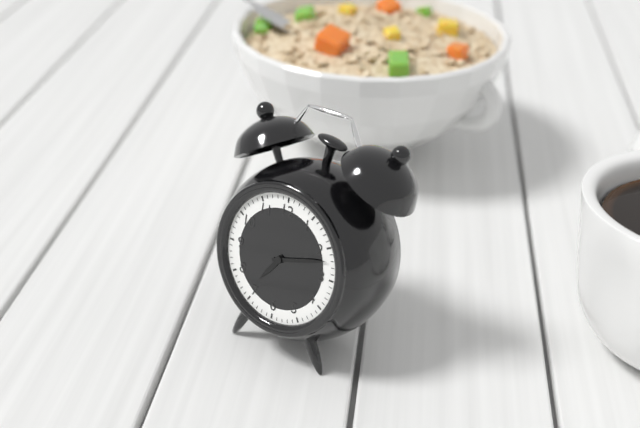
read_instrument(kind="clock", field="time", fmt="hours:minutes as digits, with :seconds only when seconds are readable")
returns 7:12
